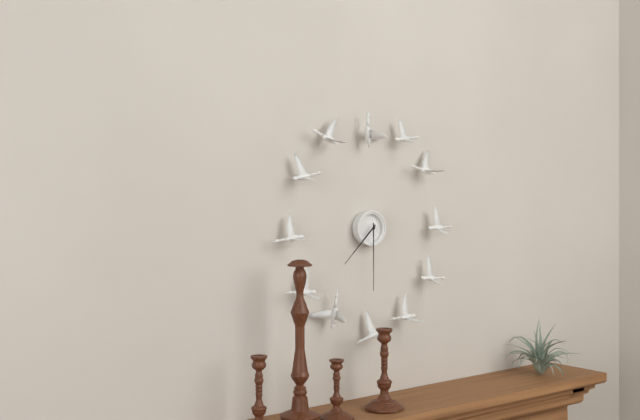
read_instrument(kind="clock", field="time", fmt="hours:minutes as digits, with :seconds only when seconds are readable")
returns 7:30
